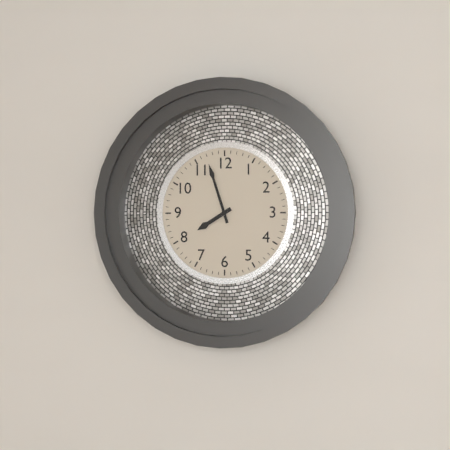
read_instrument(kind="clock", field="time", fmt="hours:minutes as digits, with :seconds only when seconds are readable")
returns 7:57
